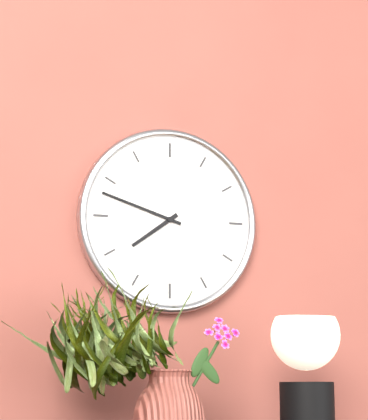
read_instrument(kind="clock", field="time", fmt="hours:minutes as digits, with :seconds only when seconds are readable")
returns 7:48
